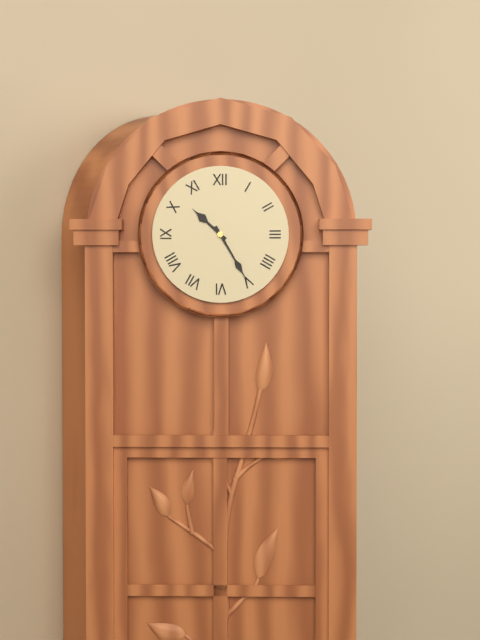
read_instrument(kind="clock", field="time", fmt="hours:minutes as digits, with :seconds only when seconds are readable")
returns 10:25
